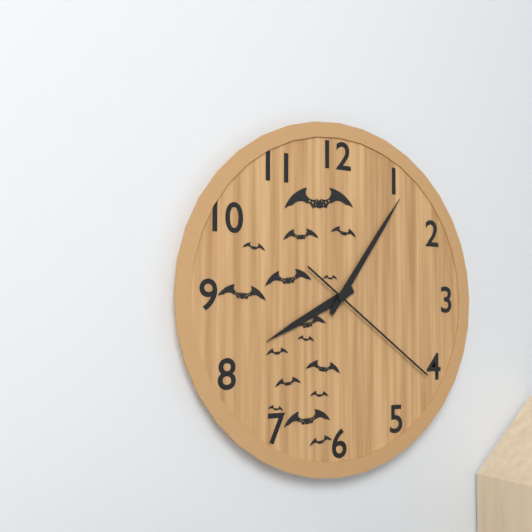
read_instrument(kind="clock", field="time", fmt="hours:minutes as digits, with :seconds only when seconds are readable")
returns 8:06:21
